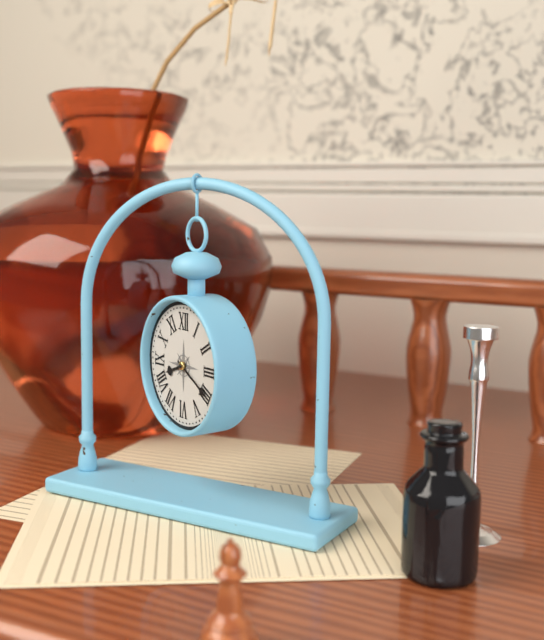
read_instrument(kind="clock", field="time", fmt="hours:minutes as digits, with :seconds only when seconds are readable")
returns 8:20
